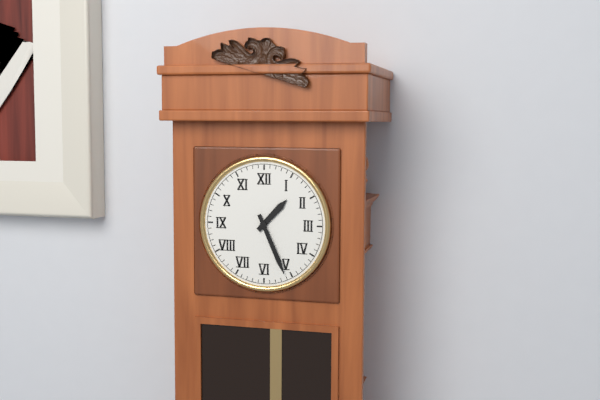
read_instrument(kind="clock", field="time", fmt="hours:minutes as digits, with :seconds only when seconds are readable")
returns 1:26
